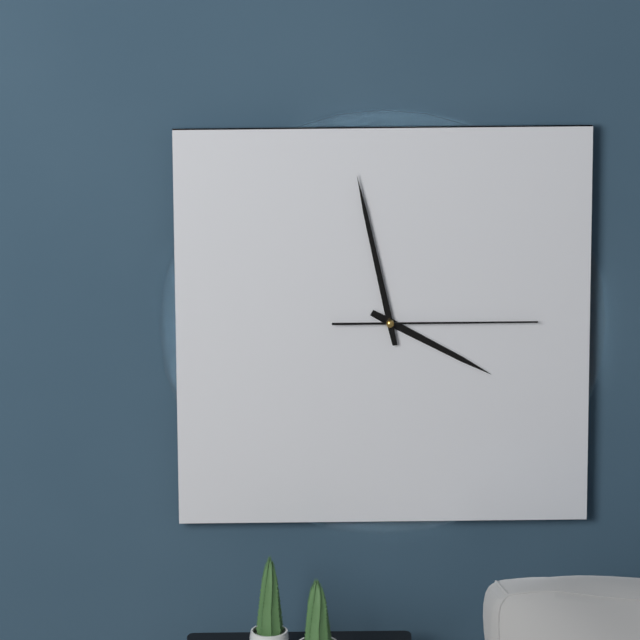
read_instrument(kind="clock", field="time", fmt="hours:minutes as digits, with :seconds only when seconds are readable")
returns 3:58:15
